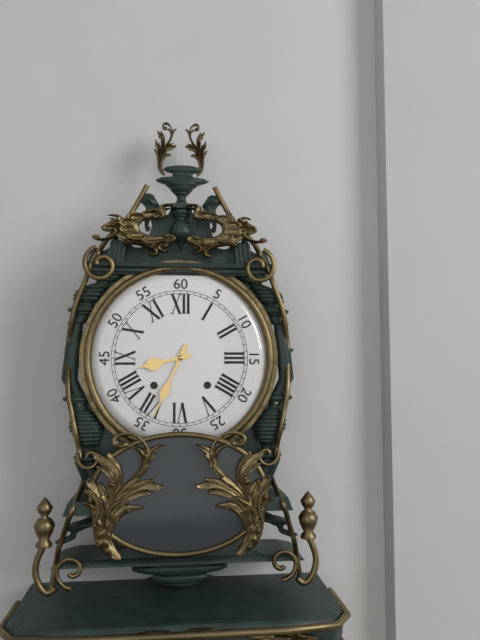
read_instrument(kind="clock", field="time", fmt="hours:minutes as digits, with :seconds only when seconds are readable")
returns 8:34
